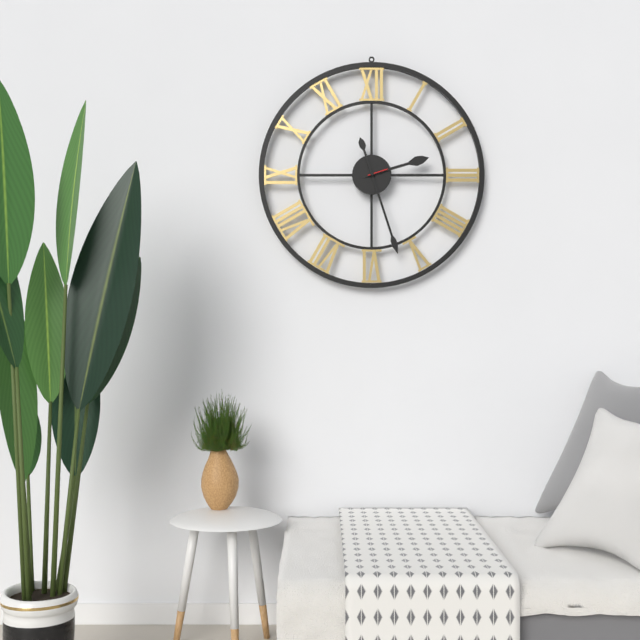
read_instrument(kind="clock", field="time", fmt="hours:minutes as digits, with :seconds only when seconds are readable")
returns 2:27
